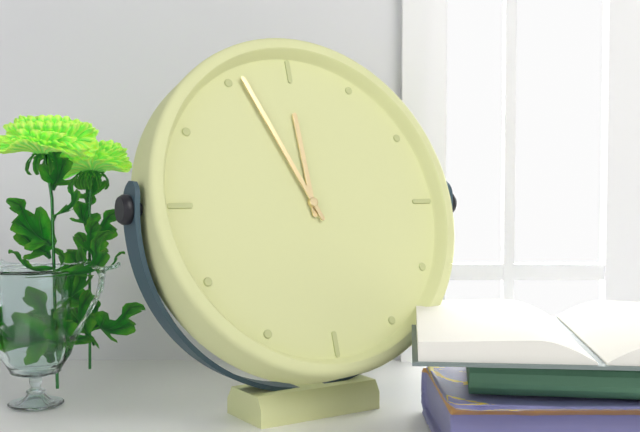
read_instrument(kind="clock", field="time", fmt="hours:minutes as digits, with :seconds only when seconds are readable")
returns 11:56
